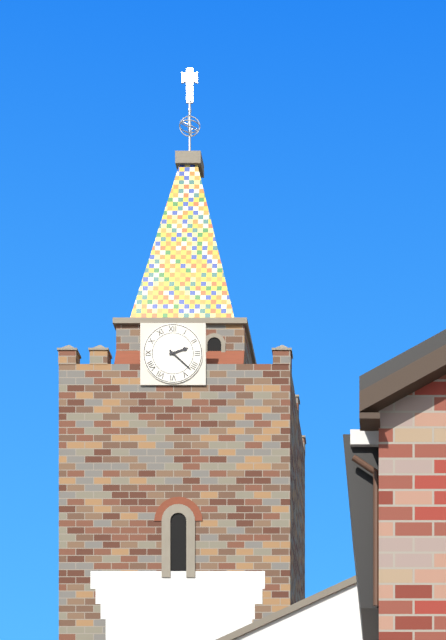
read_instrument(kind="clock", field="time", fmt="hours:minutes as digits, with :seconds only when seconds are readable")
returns 2:22
